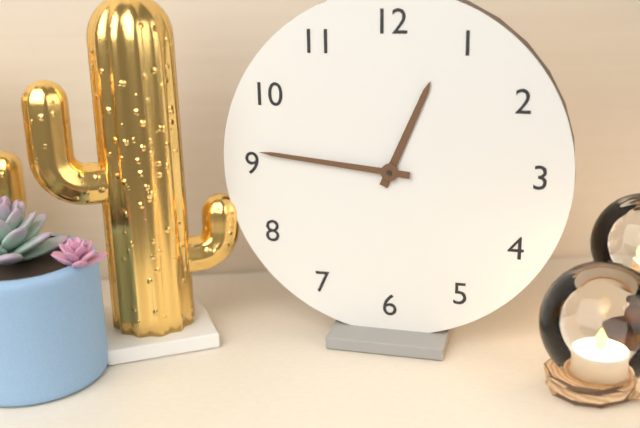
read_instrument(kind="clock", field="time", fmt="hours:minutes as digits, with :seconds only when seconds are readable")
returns 12:46
